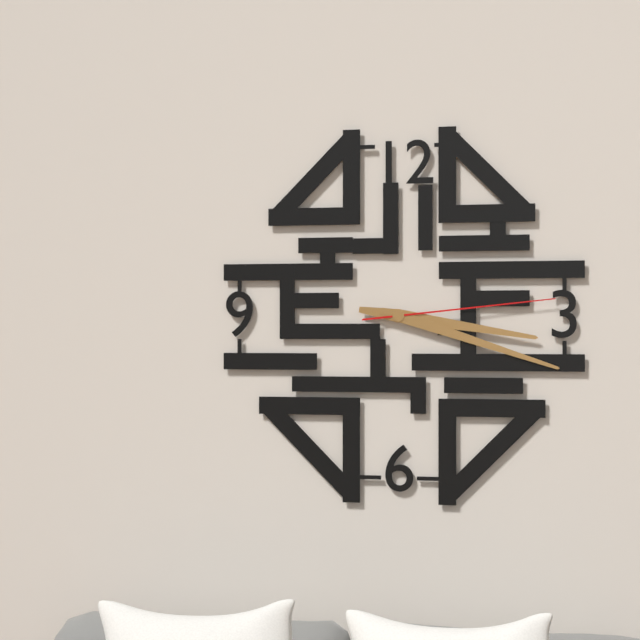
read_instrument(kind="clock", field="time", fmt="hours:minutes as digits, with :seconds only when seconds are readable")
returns 3:18:14
